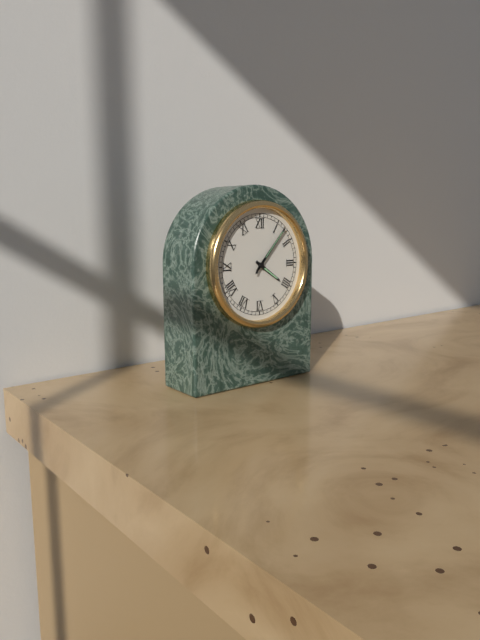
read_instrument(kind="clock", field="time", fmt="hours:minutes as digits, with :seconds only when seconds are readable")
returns 4:07:07
